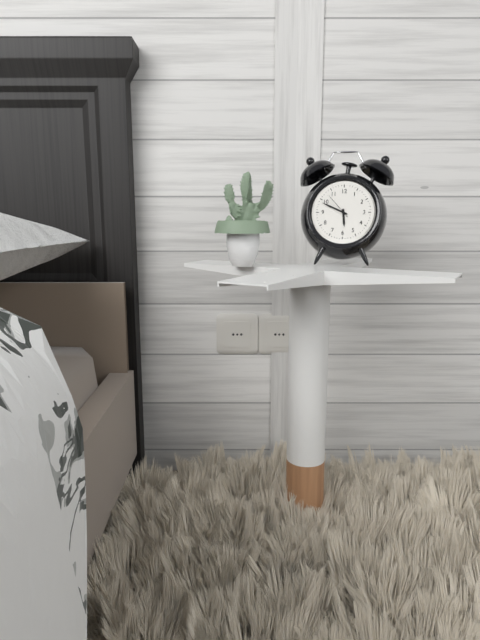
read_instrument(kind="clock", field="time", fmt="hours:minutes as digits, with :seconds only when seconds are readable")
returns 5:49
